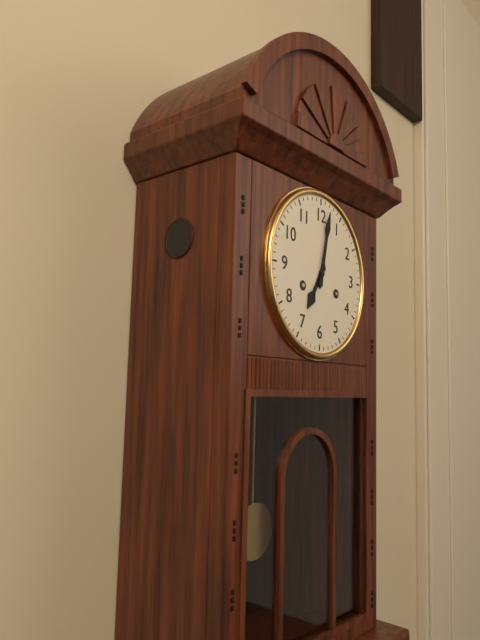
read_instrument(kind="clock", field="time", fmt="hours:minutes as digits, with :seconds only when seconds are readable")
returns 7:02
